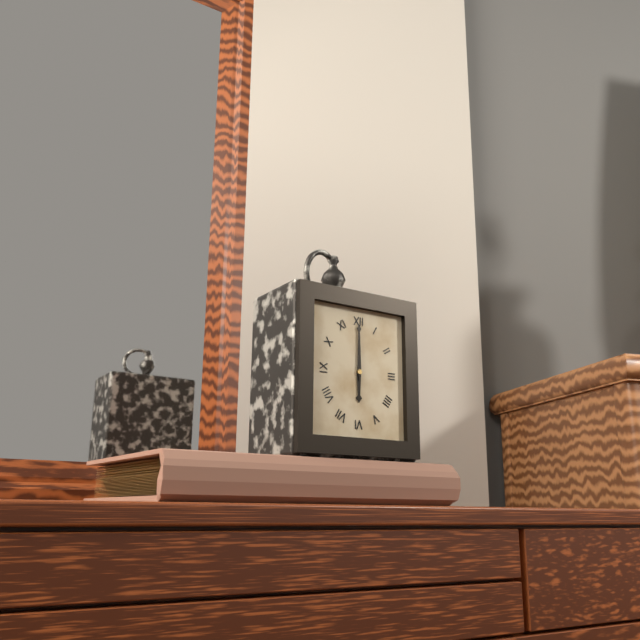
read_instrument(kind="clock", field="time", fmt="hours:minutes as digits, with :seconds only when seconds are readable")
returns 6:00
